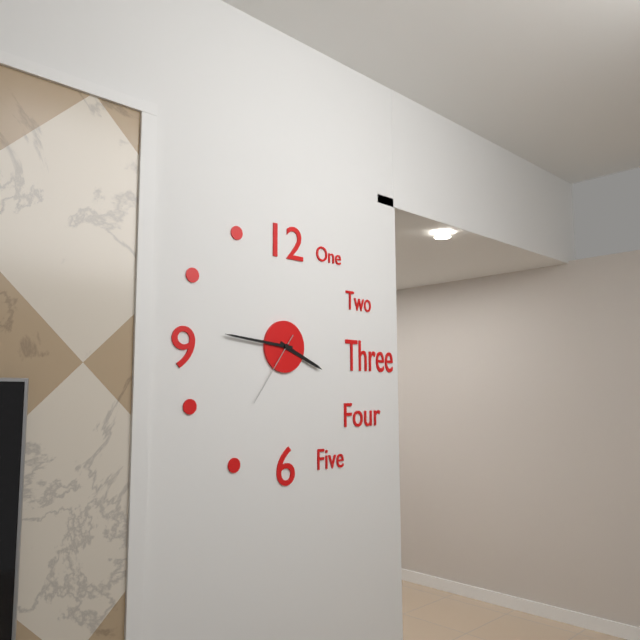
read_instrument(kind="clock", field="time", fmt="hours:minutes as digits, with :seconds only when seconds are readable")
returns 3:46:36
